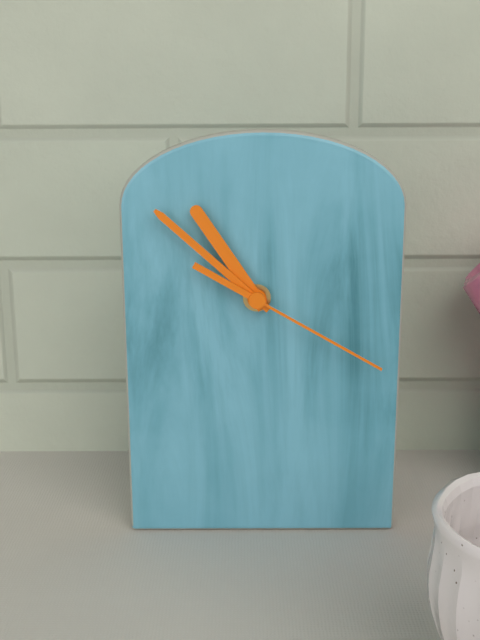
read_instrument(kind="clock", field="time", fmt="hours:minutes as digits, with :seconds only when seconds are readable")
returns 10:52:20
